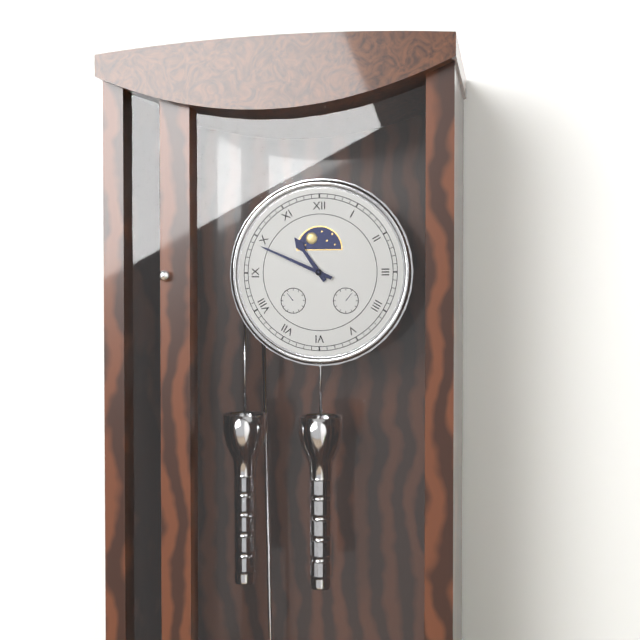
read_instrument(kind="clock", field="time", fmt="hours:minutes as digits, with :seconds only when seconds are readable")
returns 10:49
